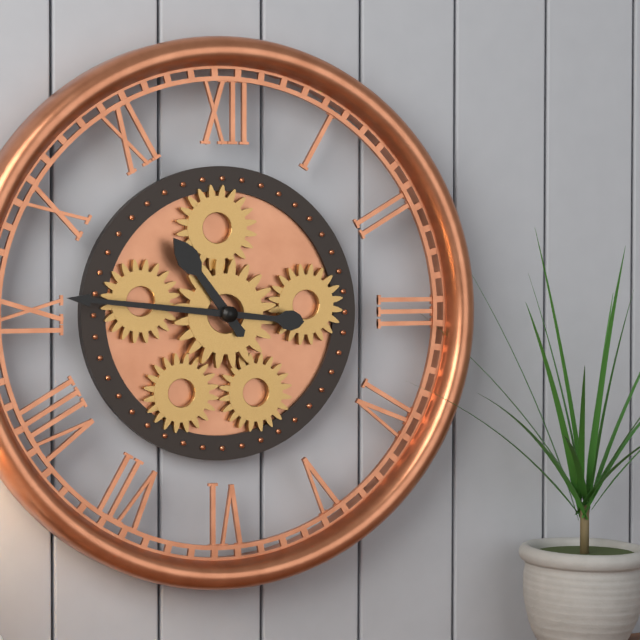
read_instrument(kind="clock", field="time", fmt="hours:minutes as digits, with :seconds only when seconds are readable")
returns 10:46
